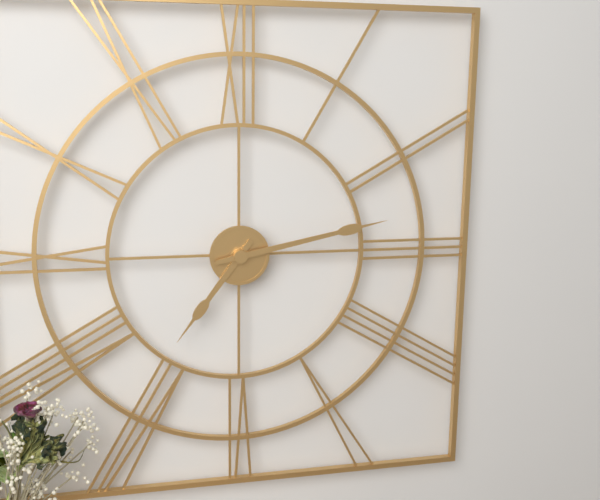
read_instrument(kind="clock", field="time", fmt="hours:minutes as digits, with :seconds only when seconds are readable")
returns 7:13
